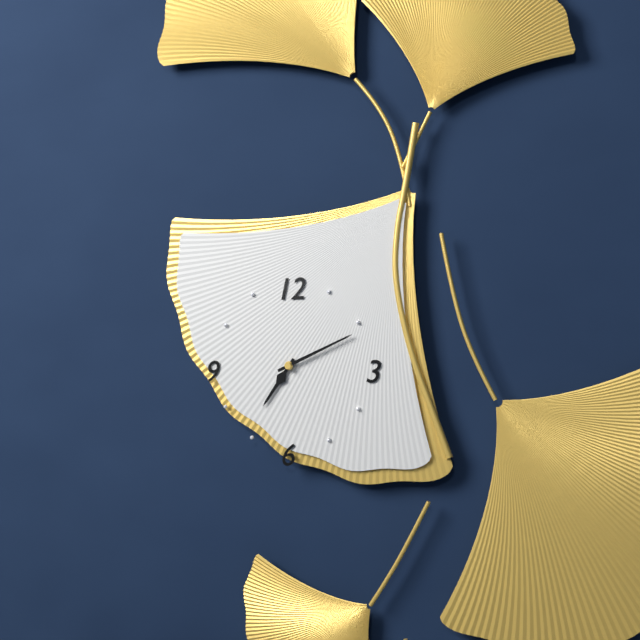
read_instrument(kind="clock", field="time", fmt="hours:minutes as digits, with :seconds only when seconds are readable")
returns 7:11
